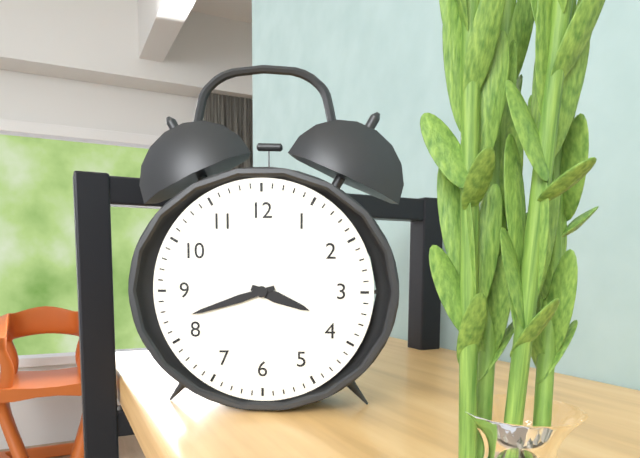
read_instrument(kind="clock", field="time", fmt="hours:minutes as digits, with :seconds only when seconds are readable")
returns 3:42
